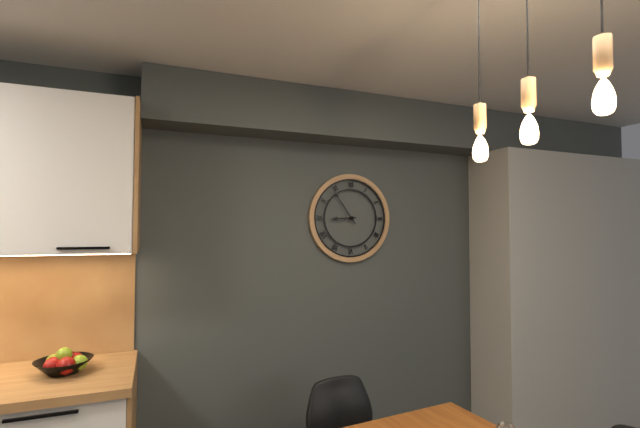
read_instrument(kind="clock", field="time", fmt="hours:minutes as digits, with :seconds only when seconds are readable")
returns 8:54
